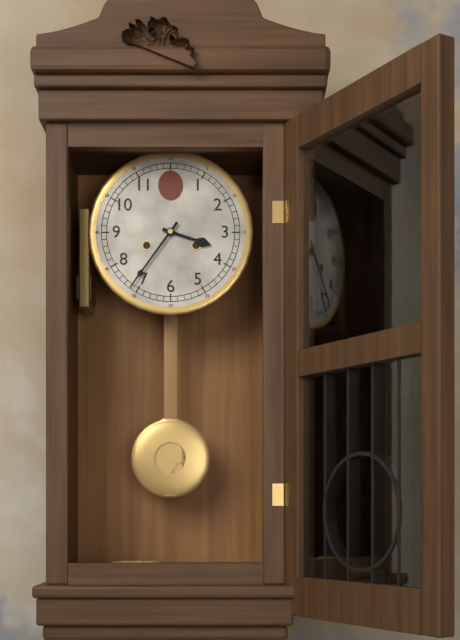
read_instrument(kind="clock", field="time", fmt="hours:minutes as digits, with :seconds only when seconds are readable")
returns 3:36
